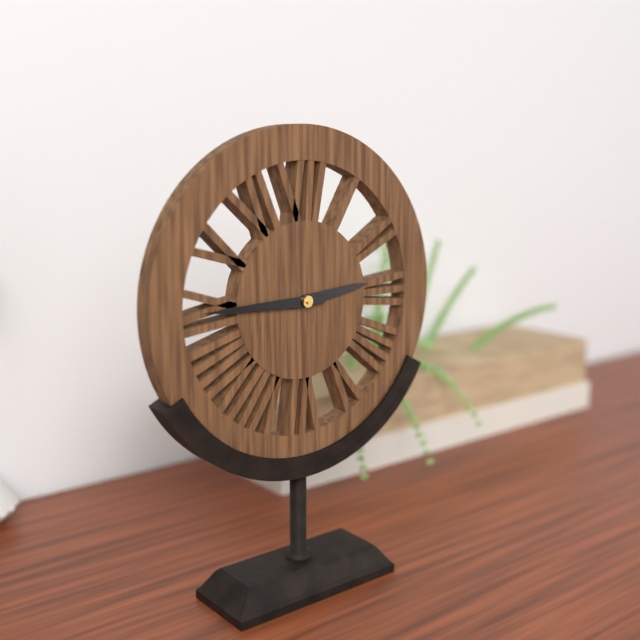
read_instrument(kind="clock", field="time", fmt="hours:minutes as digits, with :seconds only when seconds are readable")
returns 2:45
